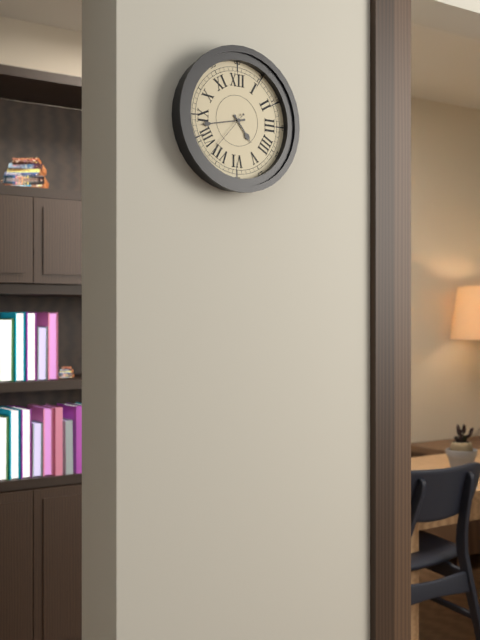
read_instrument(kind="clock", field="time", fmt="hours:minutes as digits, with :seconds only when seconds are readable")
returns 4:43:37
